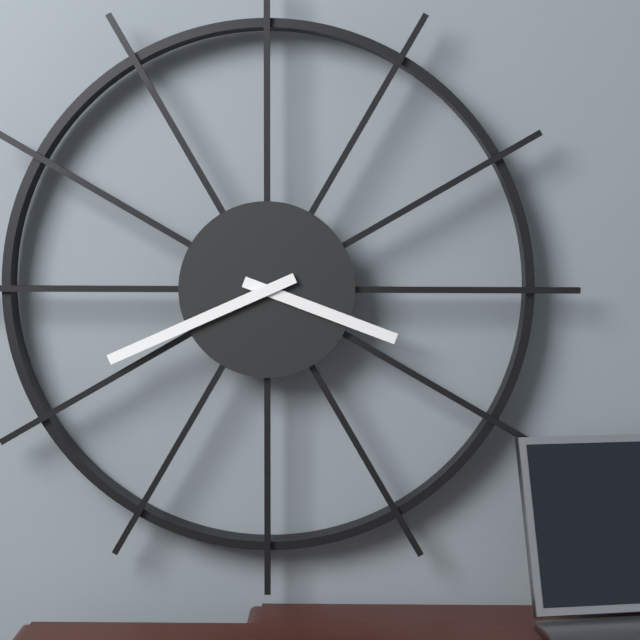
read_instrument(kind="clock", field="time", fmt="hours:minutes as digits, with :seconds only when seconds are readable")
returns 3:41
